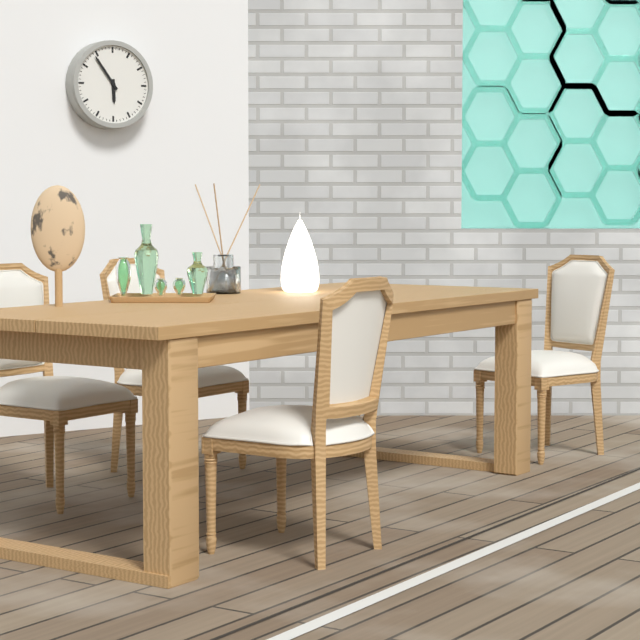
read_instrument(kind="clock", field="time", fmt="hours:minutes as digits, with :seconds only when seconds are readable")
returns 5:54
